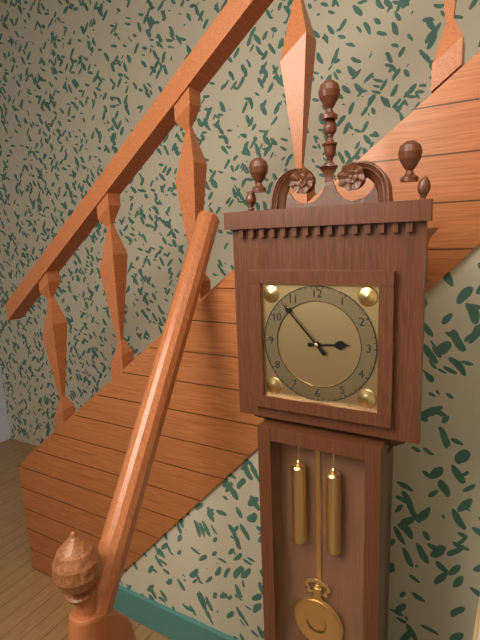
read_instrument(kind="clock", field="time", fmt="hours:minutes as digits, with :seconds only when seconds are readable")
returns 2:53
